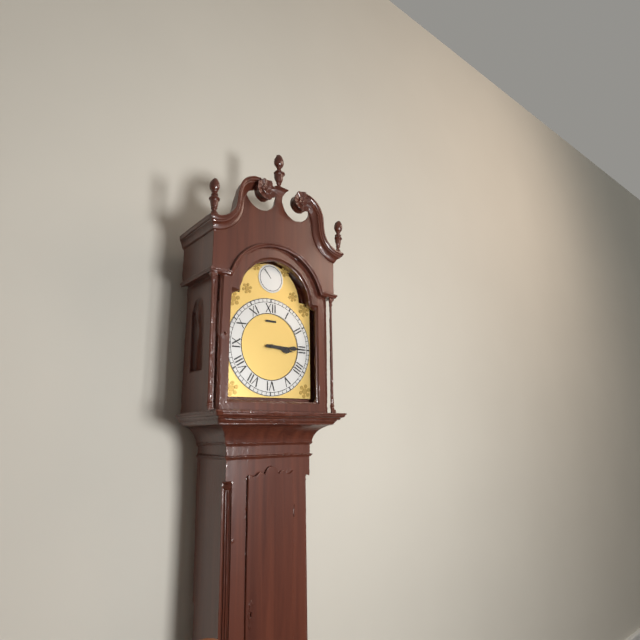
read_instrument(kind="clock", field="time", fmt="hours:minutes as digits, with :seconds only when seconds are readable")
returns 3:15
